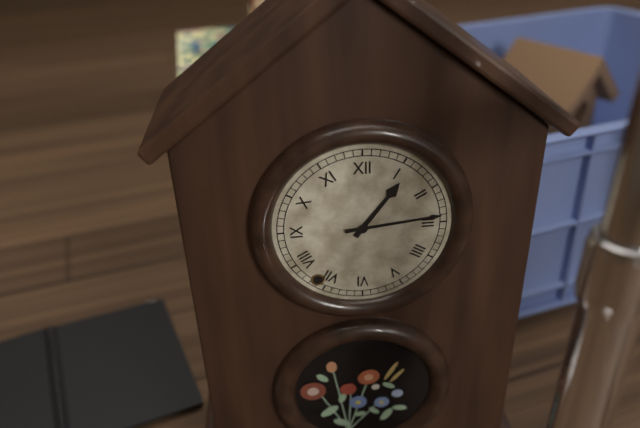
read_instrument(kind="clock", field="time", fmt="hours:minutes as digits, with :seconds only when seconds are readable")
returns 1:14
